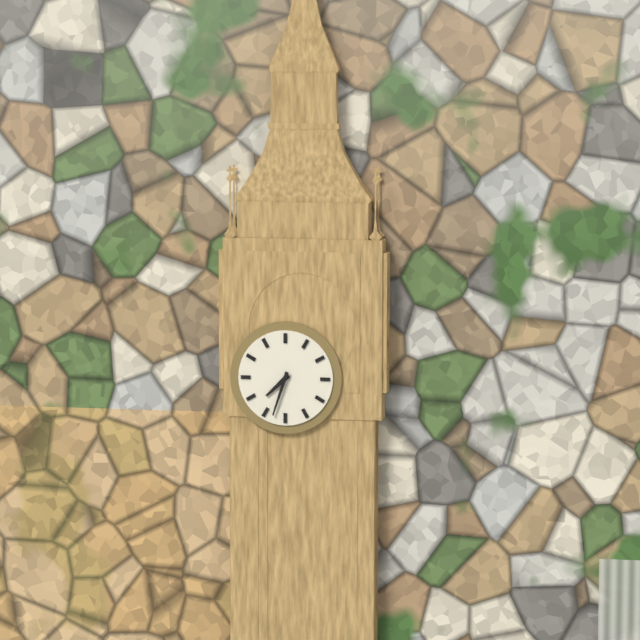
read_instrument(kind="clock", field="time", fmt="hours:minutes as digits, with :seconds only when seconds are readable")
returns 7:33
